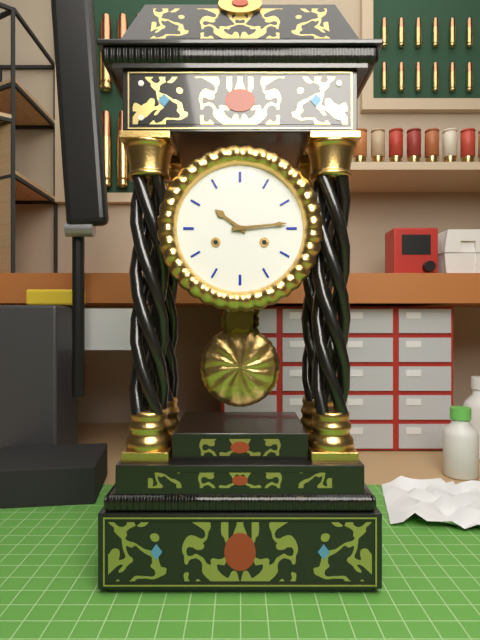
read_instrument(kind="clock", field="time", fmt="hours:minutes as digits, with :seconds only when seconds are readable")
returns 10:14
